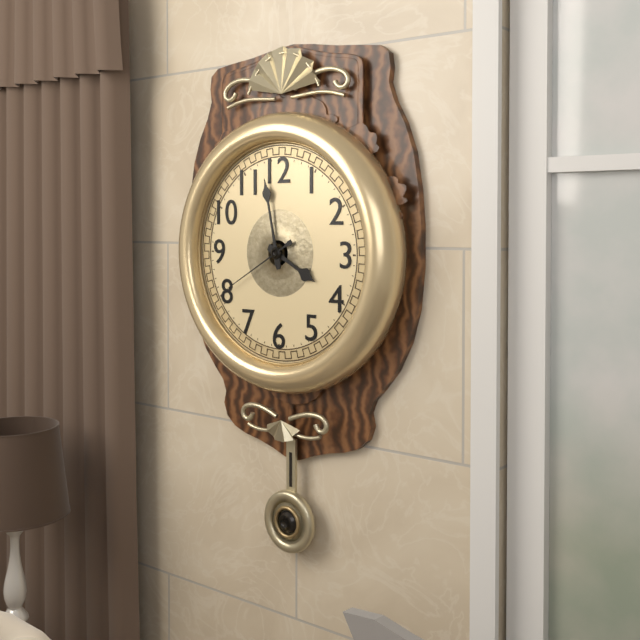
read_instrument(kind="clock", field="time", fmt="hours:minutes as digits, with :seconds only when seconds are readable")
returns 3:58:40
